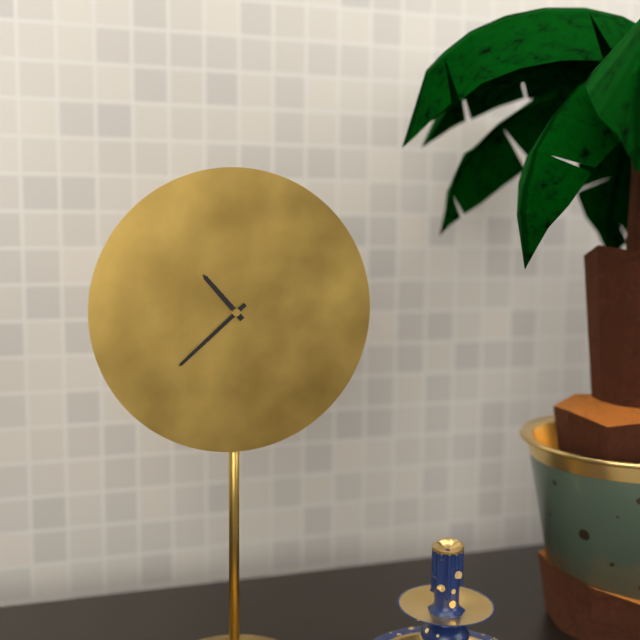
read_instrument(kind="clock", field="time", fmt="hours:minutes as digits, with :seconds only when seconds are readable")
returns 10:38
